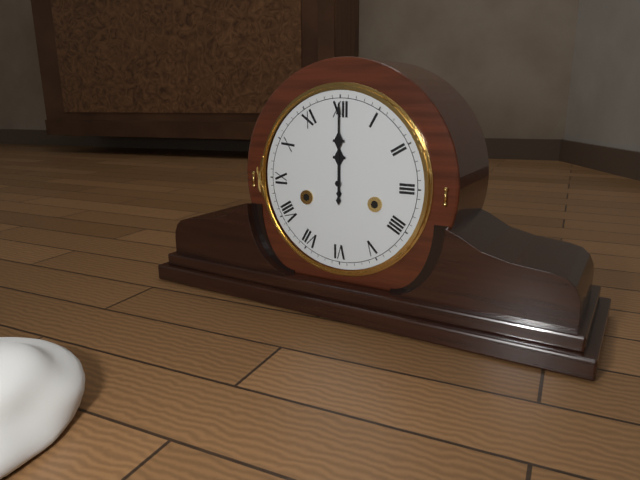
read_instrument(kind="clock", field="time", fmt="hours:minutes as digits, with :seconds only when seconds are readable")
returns 12:00
